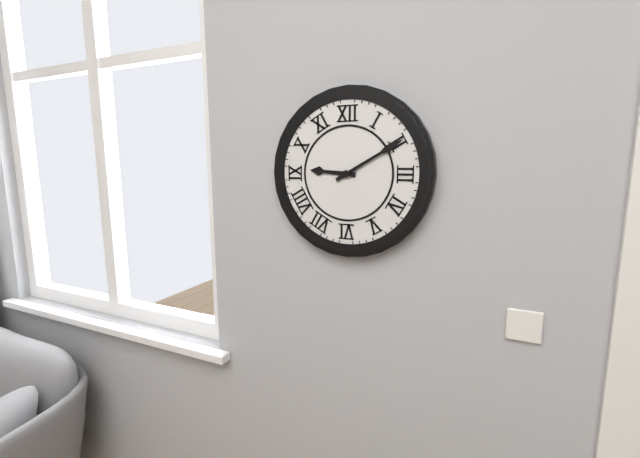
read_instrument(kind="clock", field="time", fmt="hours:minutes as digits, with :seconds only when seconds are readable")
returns 9:10
